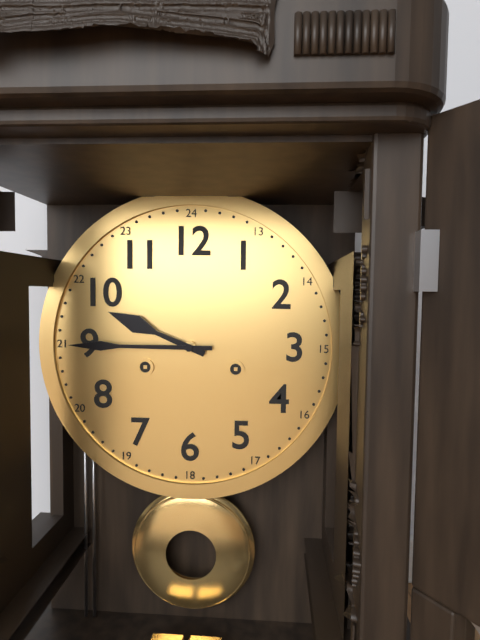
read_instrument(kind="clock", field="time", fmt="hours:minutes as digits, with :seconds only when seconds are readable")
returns 9:45
